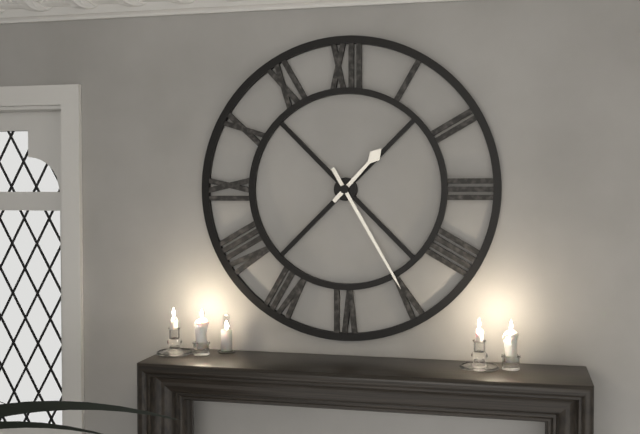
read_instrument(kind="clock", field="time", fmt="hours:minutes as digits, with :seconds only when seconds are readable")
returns 1:25
